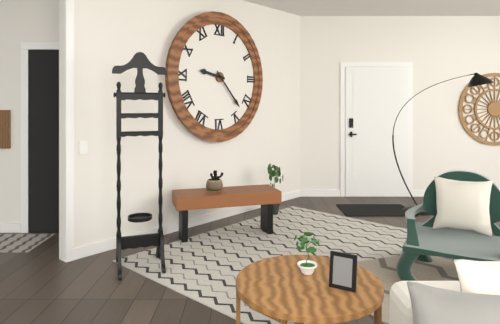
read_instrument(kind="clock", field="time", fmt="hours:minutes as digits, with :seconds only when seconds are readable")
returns 9:23
